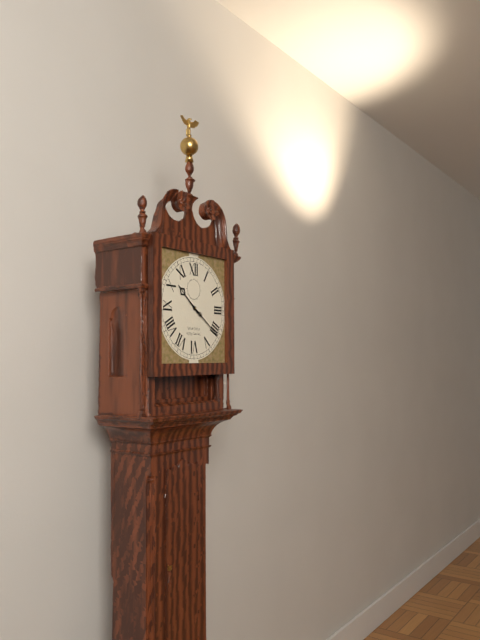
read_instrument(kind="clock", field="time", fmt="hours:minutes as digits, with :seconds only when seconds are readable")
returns 10:21
